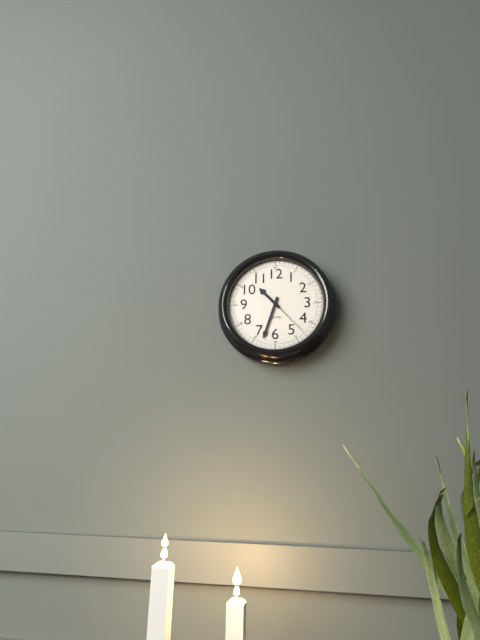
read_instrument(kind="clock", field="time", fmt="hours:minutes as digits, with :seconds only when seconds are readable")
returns 10:33
